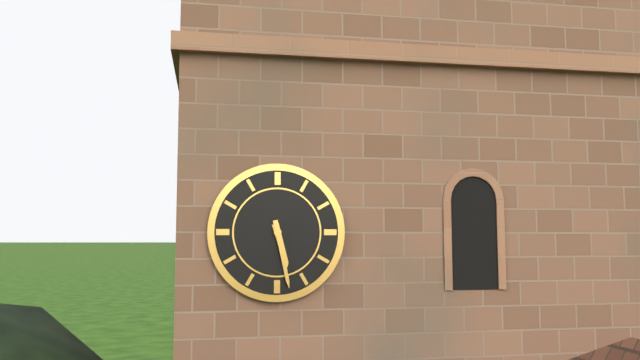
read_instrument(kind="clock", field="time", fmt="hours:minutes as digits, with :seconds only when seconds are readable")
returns 5:28
